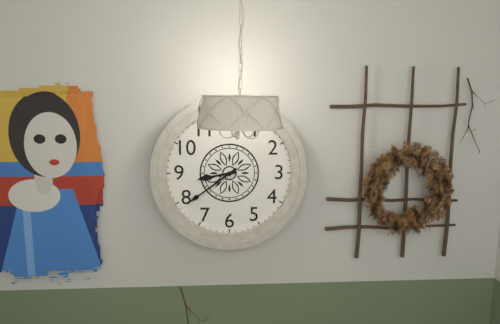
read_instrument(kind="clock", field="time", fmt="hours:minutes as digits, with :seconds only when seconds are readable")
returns 8:39
